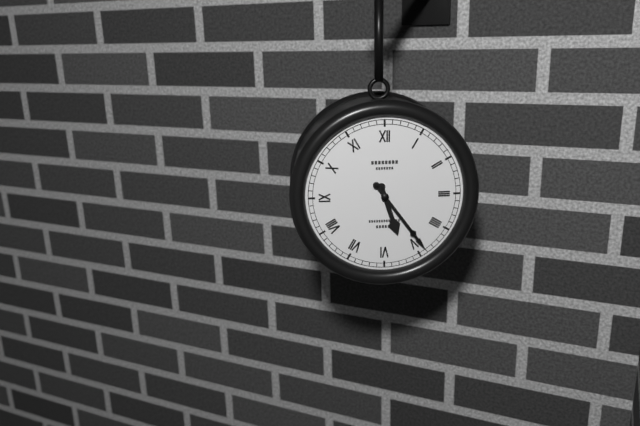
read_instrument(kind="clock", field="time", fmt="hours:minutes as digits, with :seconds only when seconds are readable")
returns 5:24
